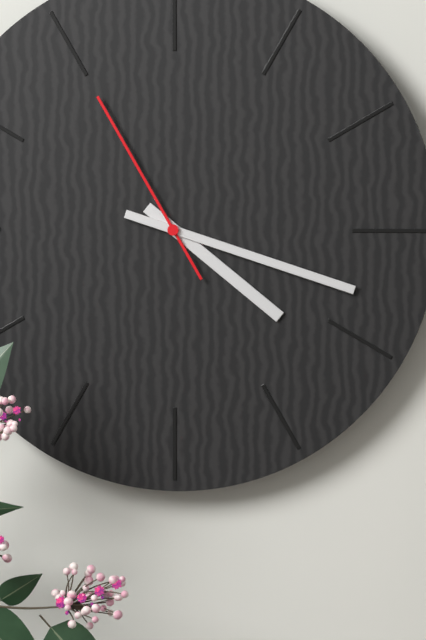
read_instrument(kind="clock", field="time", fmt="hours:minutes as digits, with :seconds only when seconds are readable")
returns 4:18:55
